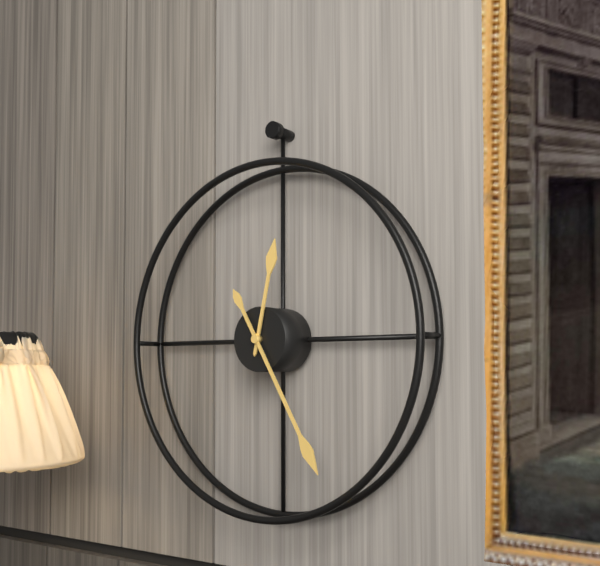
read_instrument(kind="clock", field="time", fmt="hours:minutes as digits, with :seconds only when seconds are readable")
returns 12:25
